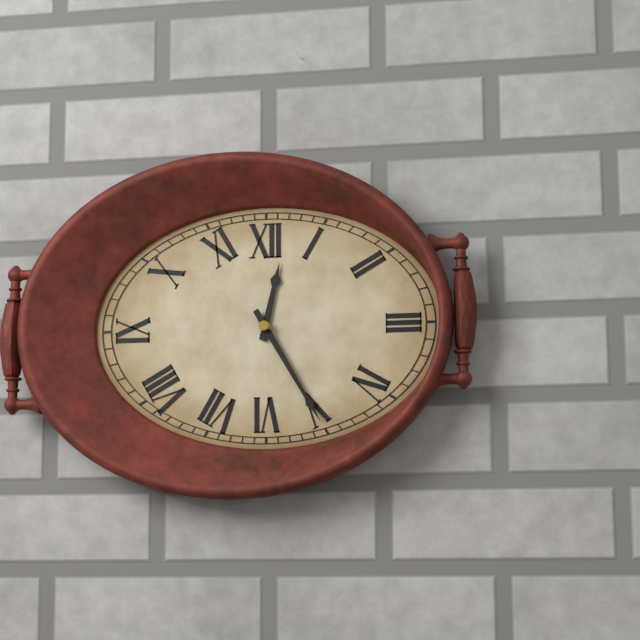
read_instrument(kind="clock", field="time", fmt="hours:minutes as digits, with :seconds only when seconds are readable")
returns 12:25
